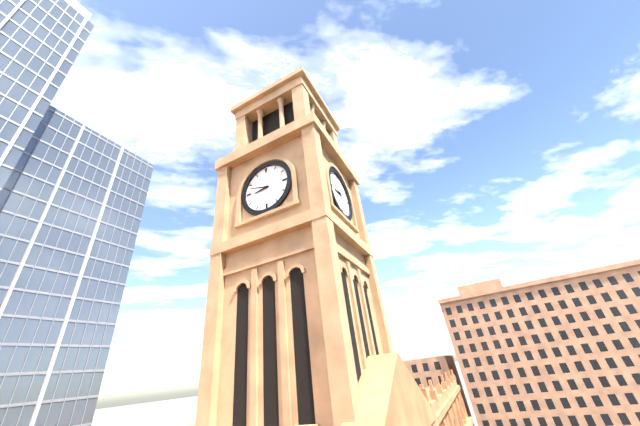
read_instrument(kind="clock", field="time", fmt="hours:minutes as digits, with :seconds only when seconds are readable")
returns 8:48
